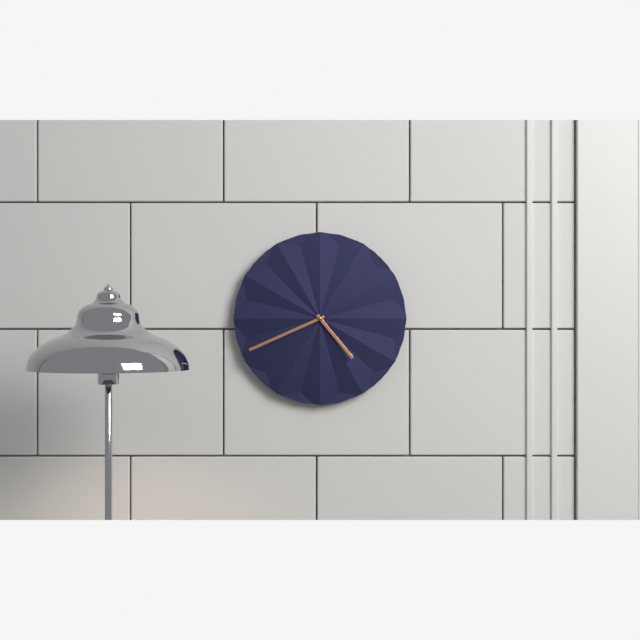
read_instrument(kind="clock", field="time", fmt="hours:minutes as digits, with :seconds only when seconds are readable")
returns 4:41
